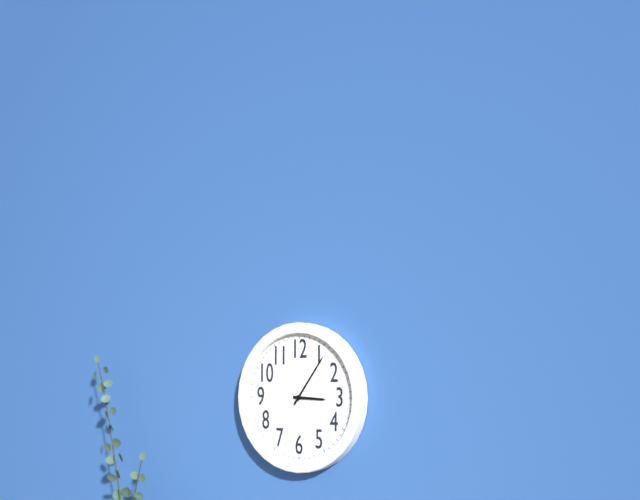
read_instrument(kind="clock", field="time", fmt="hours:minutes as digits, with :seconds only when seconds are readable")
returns 3:06
